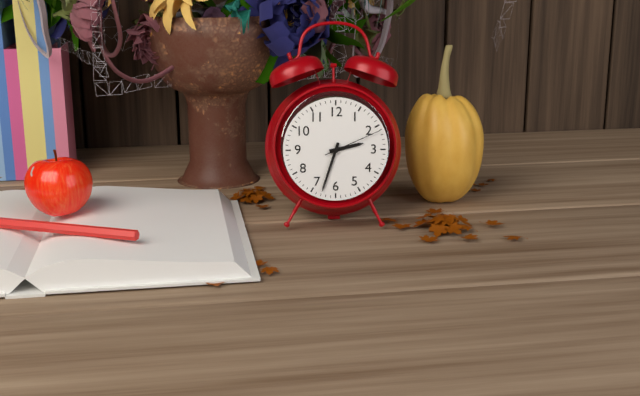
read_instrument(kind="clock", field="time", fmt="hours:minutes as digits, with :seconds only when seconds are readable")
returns 2:33:11
